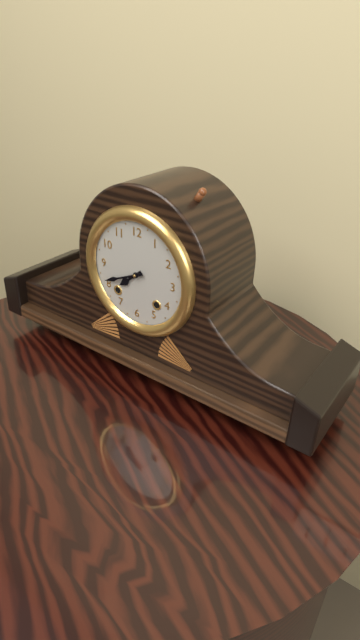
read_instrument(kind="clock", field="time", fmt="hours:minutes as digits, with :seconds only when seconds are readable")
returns 7:41
